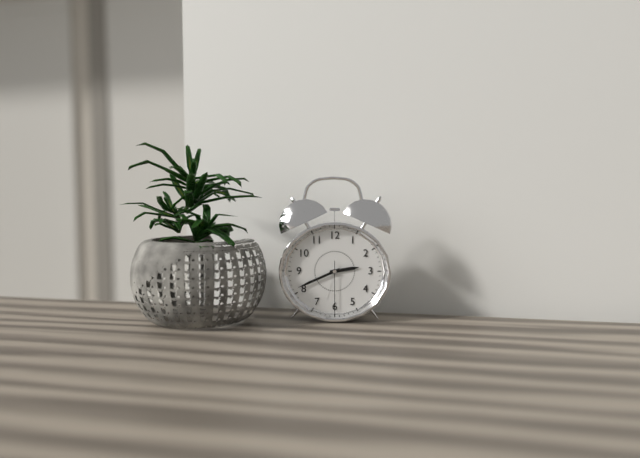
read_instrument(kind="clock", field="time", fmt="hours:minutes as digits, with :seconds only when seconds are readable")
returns 2:41:30
